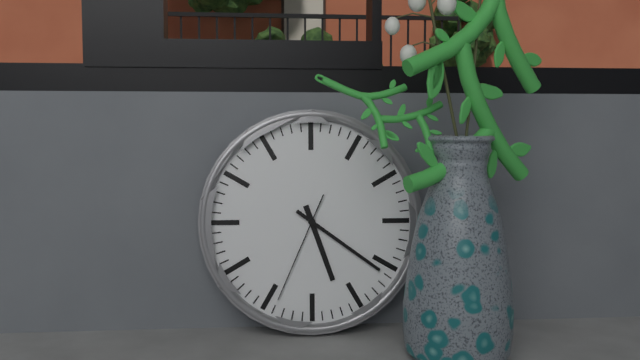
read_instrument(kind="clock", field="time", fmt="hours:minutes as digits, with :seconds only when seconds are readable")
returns 5:21:34
